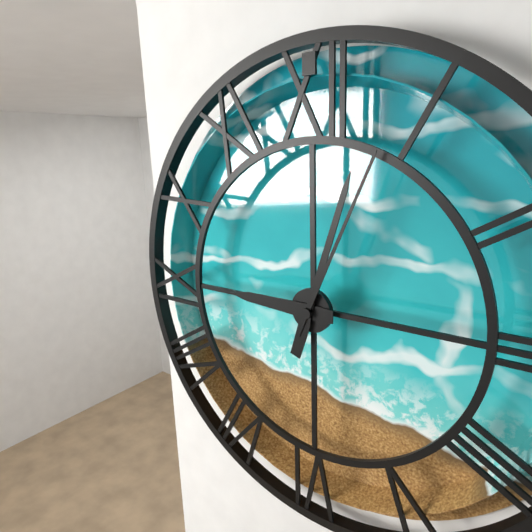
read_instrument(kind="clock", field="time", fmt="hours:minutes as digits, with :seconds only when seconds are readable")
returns 9:03:04
